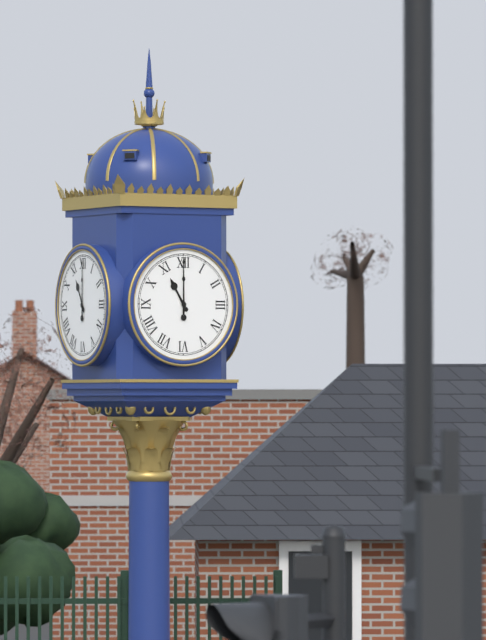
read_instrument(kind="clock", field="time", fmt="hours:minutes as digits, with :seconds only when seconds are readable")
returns 11:00
